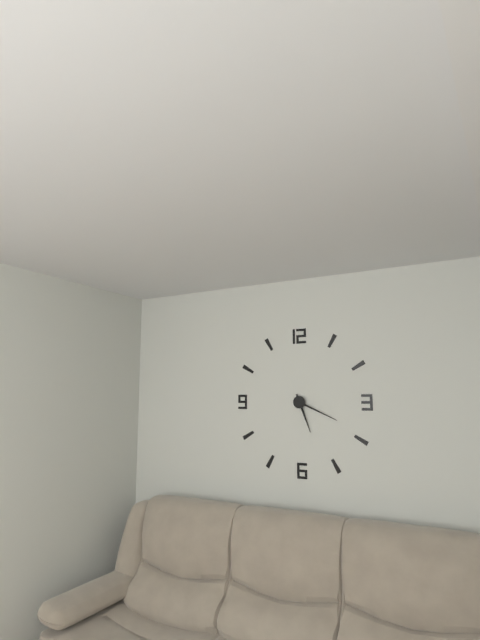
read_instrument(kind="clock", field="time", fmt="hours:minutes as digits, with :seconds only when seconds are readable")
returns 5:19
